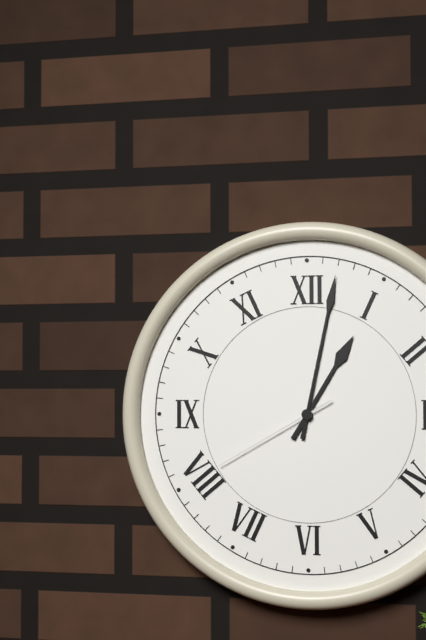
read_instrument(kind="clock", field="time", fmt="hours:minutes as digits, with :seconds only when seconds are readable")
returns 1:02:40
